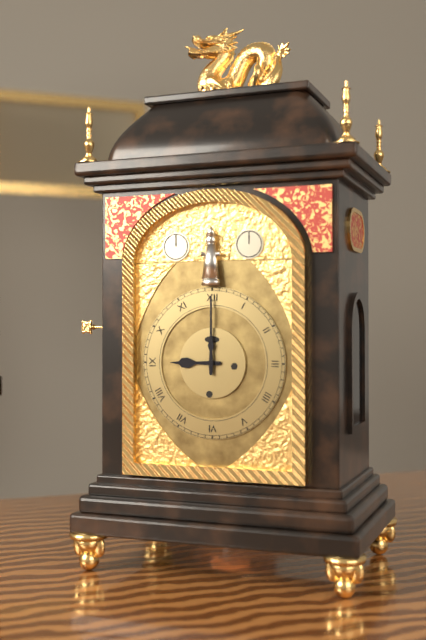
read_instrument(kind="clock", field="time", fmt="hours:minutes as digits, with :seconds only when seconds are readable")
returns 9:00
